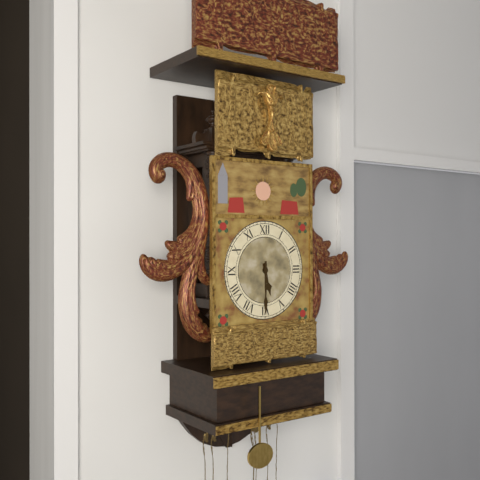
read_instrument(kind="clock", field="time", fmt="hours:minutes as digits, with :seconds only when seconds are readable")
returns 5:30
